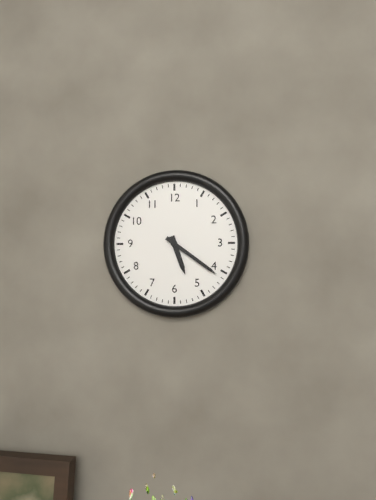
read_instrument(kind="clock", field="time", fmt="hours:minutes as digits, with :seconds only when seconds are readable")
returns 5:21
